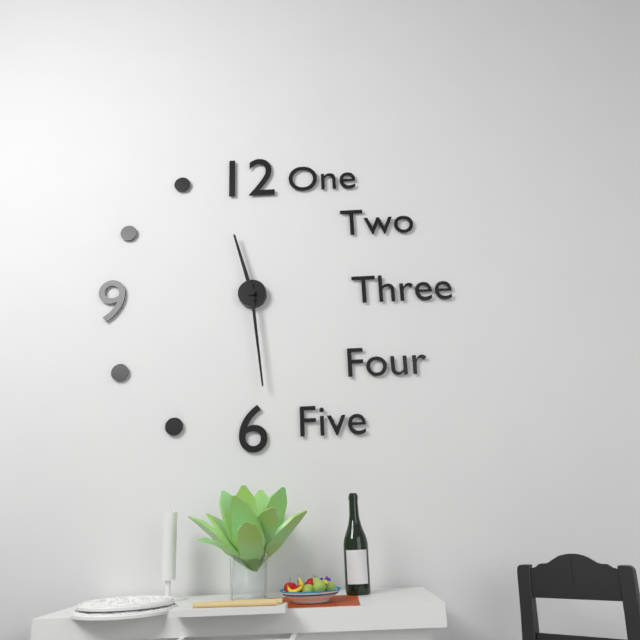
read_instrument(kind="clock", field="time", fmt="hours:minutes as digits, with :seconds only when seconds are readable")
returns 11:29
